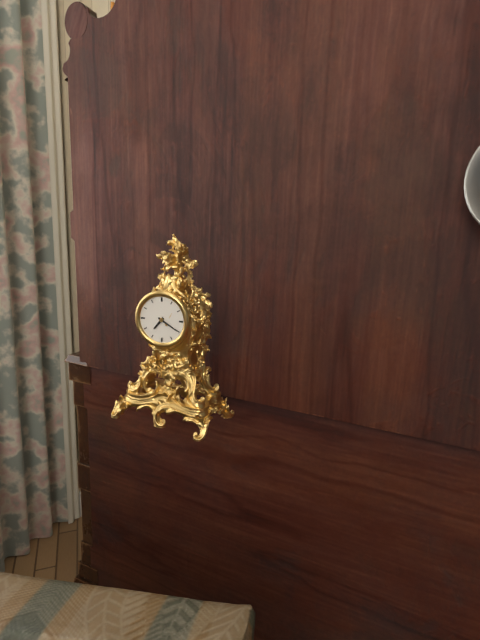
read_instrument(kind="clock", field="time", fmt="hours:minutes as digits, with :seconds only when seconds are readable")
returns 7:20
